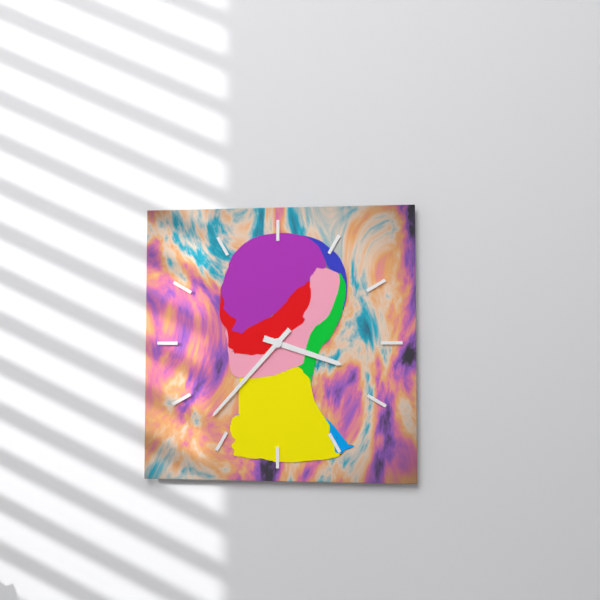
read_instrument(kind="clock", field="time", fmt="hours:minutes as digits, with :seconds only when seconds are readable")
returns 3:37
